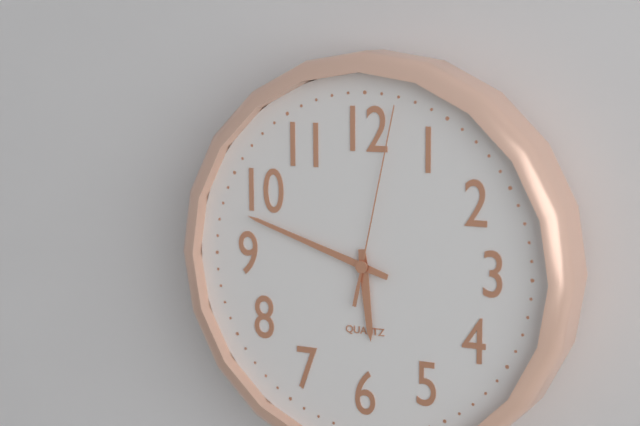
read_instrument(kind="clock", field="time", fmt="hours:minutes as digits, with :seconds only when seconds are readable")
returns 5:48:02
